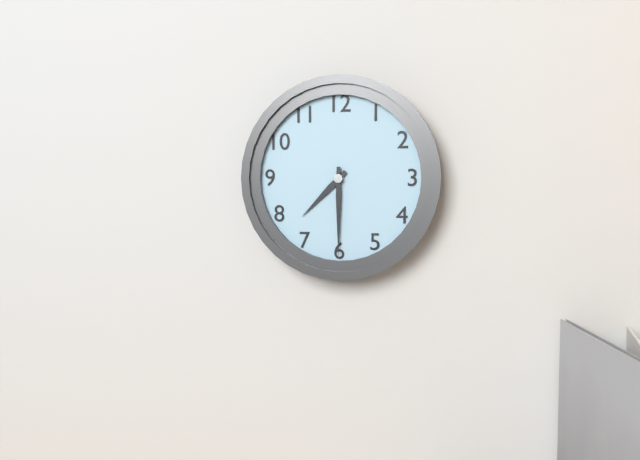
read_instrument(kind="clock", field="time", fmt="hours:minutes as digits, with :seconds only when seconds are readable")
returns 7:30
